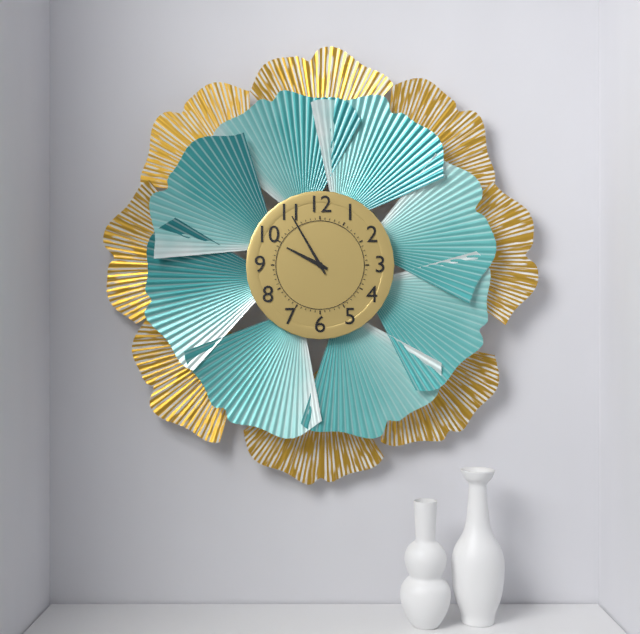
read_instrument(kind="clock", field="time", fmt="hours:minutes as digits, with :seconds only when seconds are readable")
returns 9:55
